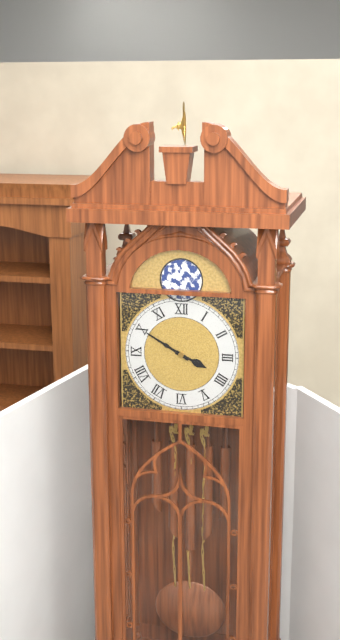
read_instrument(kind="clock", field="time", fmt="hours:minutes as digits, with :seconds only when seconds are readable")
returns 3:50
